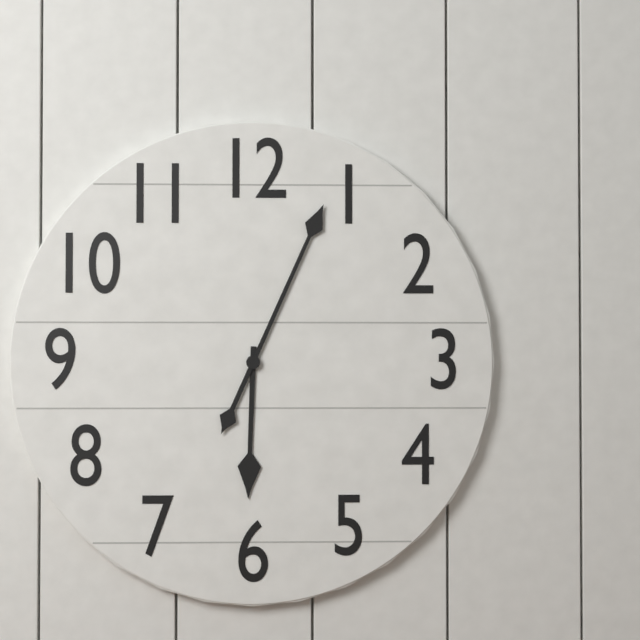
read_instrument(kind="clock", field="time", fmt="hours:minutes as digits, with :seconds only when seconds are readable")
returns 6:04
